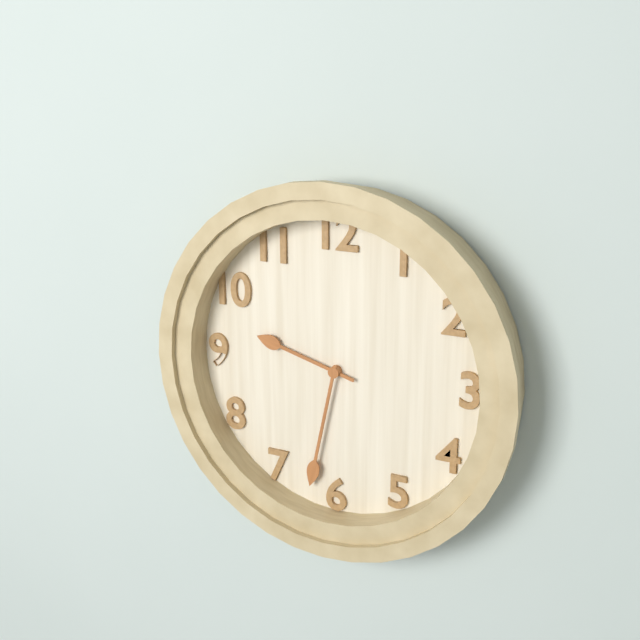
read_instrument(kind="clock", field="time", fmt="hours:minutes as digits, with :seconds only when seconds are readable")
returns 9:32
